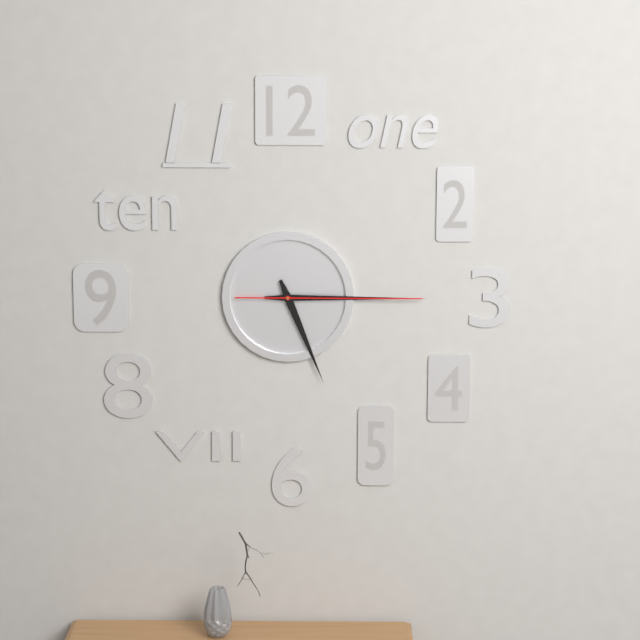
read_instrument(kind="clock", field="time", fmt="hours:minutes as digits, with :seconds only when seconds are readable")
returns 5:15:15
